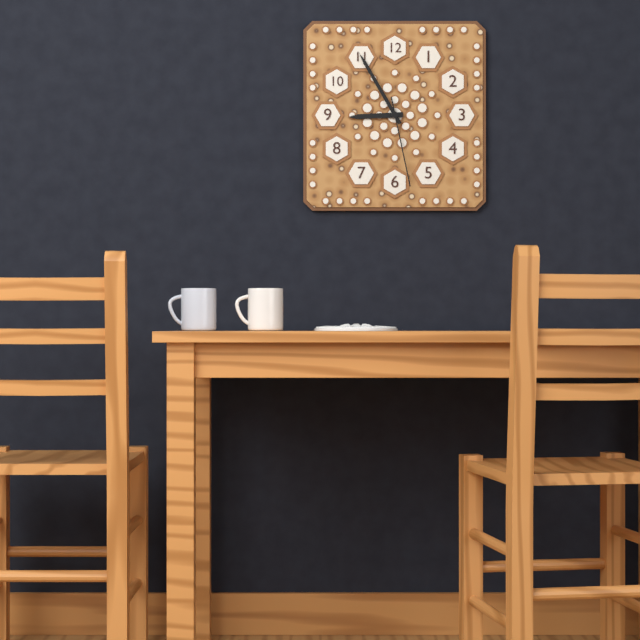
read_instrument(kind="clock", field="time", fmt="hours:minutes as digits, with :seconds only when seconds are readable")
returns 8:55:28
